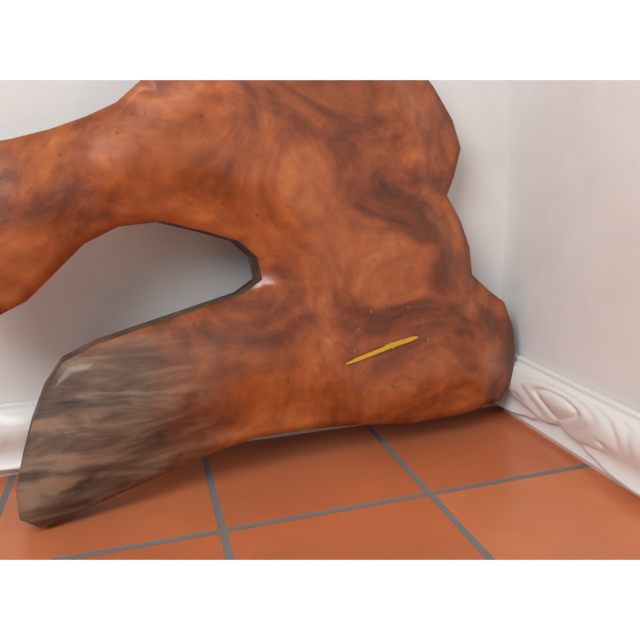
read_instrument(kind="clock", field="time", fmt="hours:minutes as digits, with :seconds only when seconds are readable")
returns 2:43
